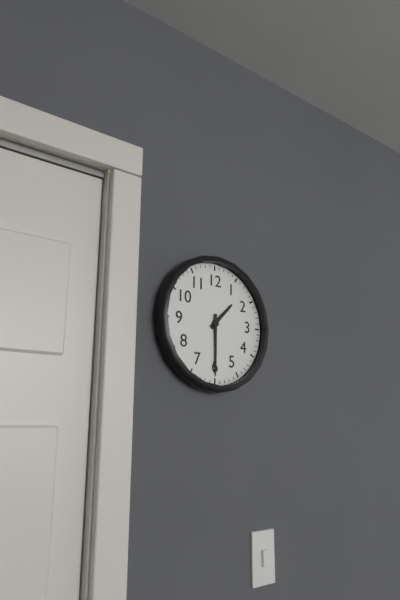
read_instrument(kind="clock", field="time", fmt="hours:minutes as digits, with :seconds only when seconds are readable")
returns 1:30
